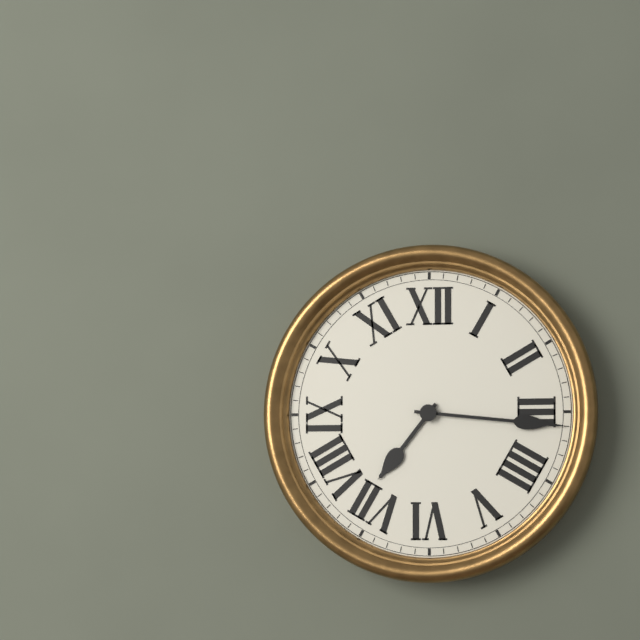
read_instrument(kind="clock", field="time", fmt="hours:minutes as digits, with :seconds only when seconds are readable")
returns 7:16
